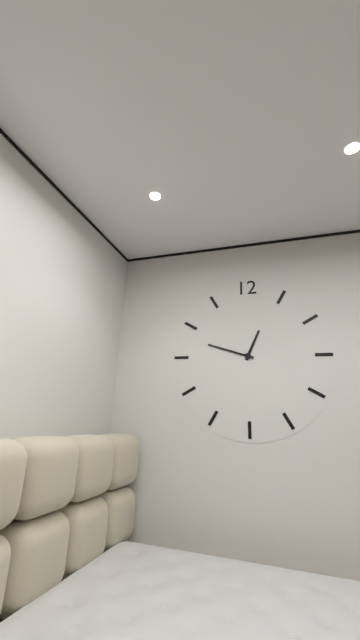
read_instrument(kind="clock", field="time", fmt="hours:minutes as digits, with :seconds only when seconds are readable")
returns 12:48
